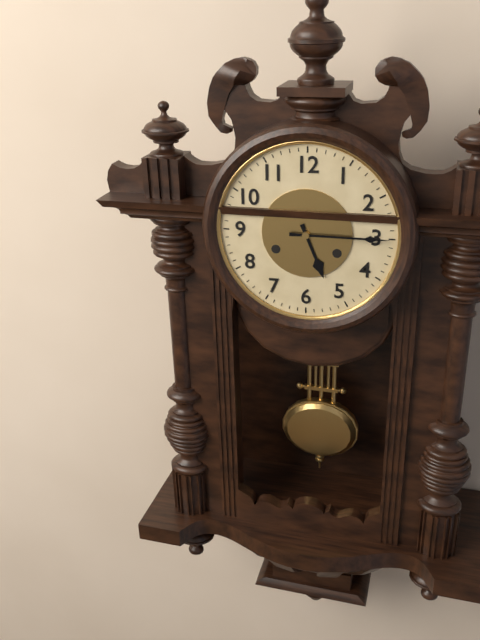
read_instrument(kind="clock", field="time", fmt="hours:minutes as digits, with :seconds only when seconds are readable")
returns 5:15
